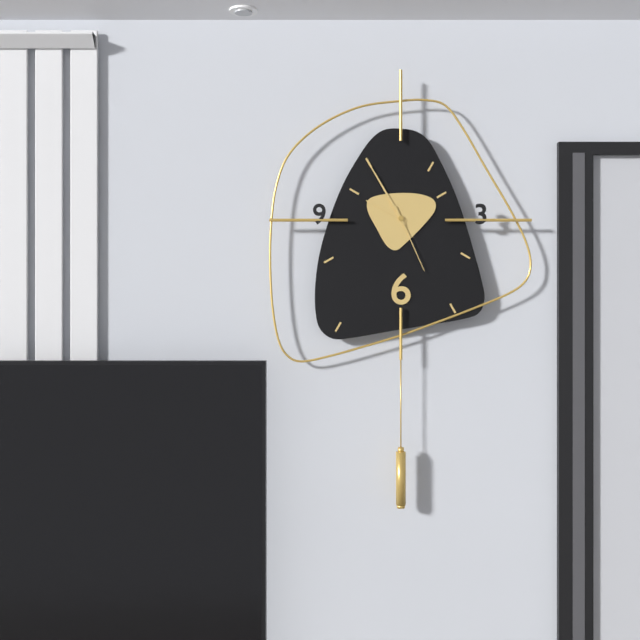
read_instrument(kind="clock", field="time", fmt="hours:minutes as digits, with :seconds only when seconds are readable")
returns 9:55:26
